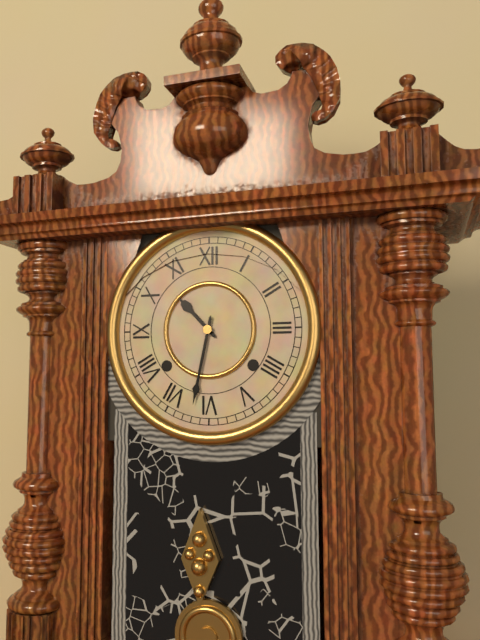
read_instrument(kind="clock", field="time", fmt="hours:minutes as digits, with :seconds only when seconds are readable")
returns 10:32
